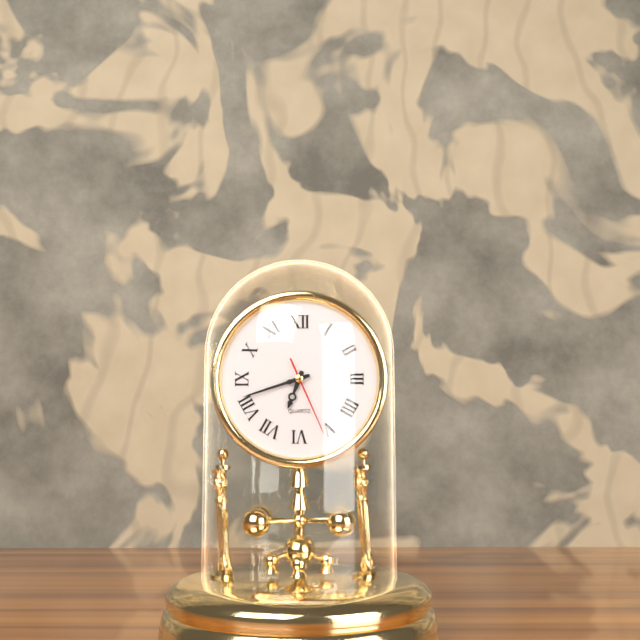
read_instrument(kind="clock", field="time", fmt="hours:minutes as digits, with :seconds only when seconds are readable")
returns 6:42:26
